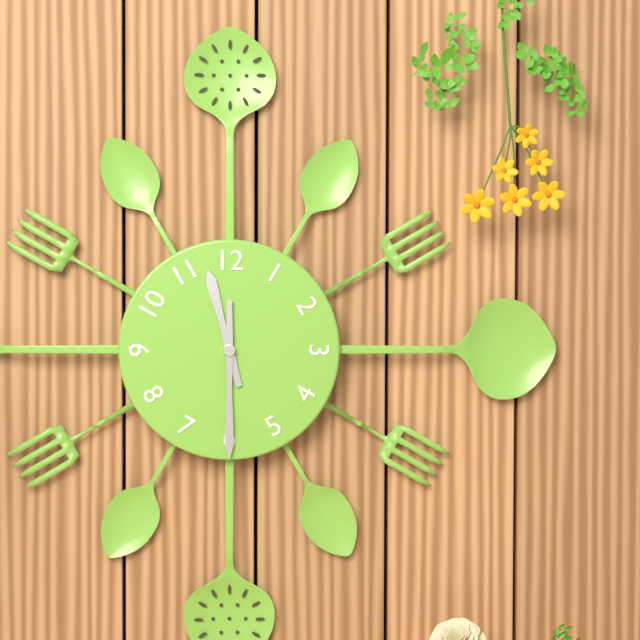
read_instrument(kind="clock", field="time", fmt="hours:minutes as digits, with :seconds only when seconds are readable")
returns 11:30
